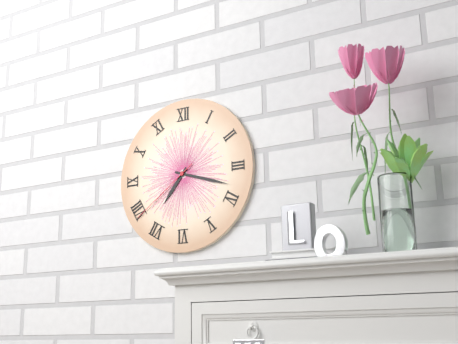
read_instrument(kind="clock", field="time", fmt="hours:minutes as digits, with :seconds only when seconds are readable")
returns 7:18:39
